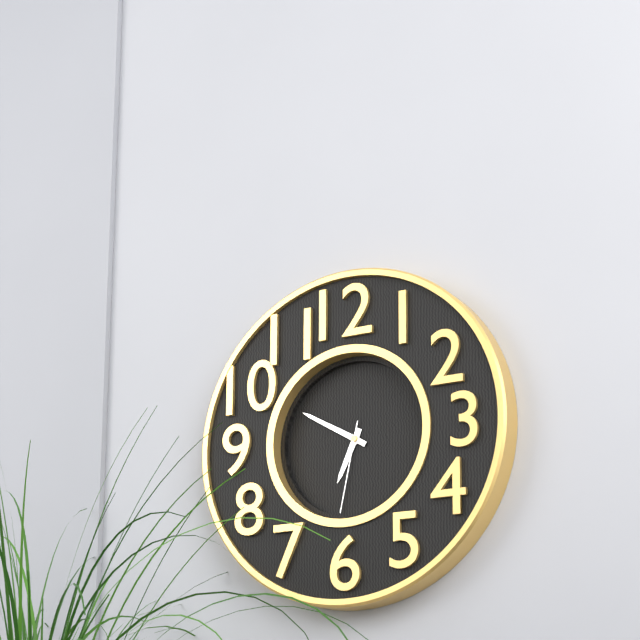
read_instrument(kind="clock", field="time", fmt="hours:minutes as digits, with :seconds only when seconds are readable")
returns 6:50:32
